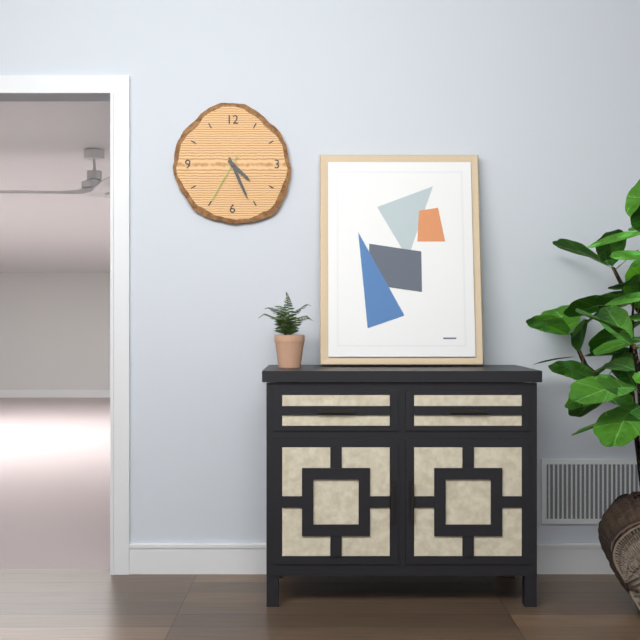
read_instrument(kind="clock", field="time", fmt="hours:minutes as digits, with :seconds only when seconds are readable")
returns 4:26
